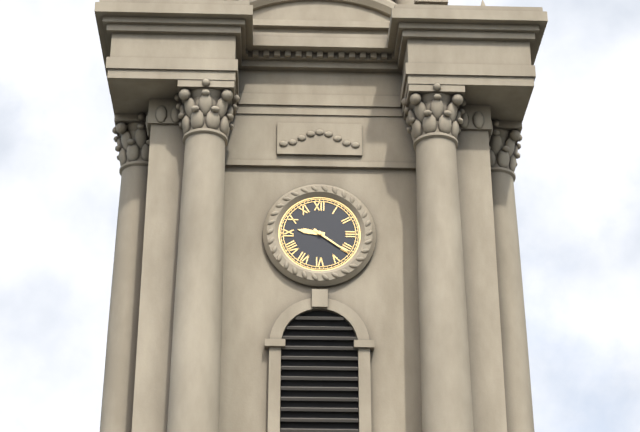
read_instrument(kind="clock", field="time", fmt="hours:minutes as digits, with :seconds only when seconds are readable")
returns 9:21
